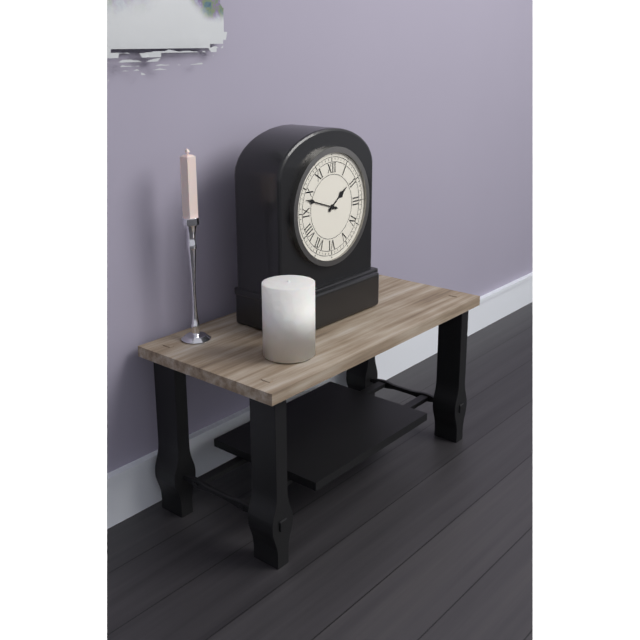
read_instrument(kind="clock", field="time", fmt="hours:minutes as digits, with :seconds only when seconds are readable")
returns 1:48
